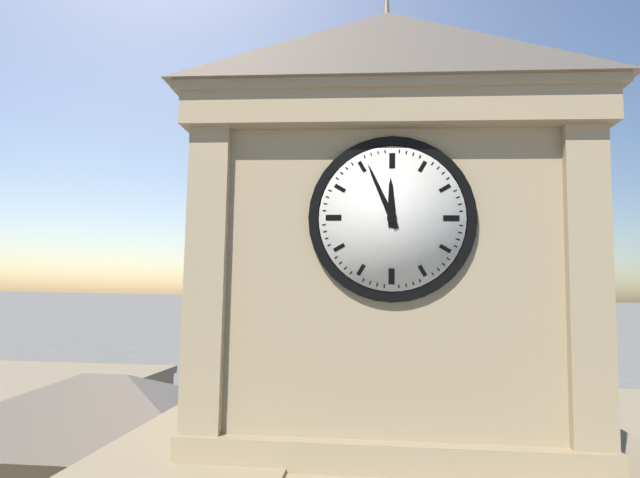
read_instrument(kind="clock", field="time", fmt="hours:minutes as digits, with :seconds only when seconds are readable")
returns 11:56
